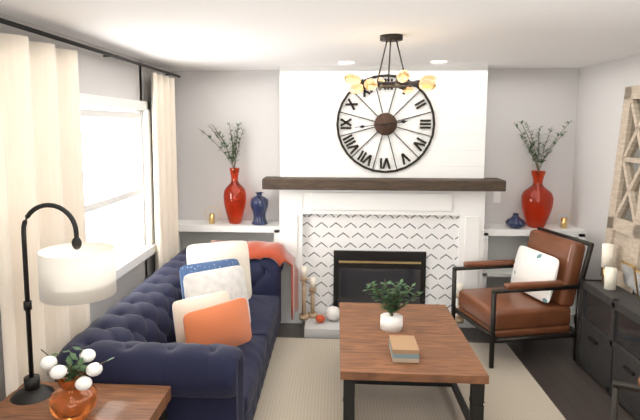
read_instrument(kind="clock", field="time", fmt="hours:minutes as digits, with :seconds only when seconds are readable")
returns 2:44
